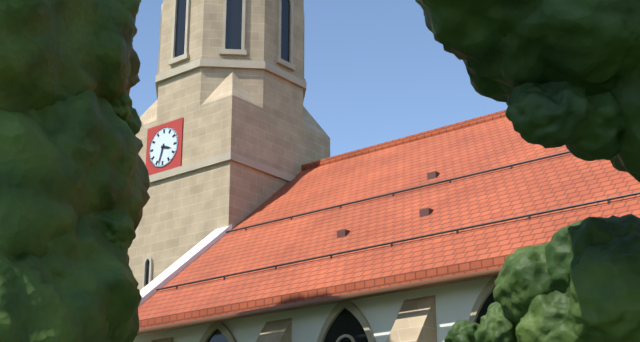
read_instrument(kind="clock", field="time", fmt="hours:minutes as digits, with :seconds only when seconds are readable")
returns 3:33
